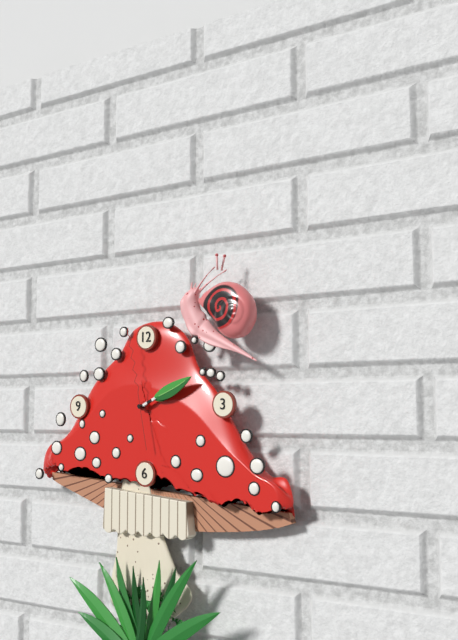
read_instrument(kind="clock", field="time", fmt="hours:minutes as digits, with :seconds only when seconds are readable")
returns 2:11:58
